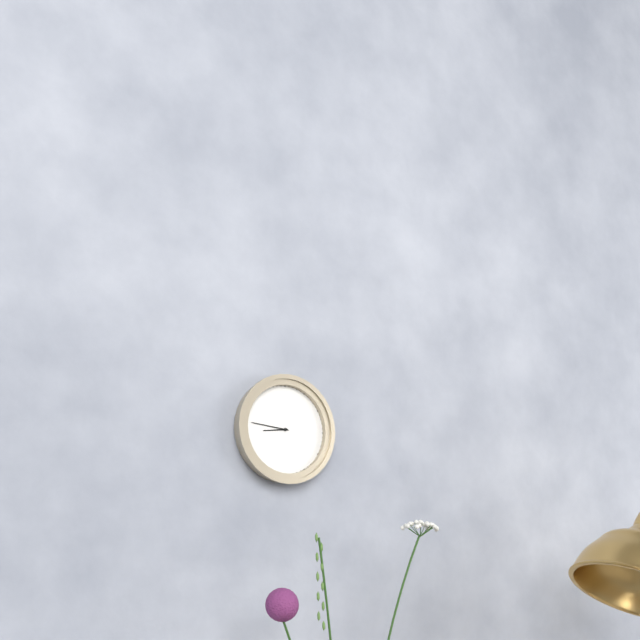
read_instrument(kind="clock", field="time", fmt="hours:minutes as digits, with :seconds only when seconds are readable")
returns 8:46
